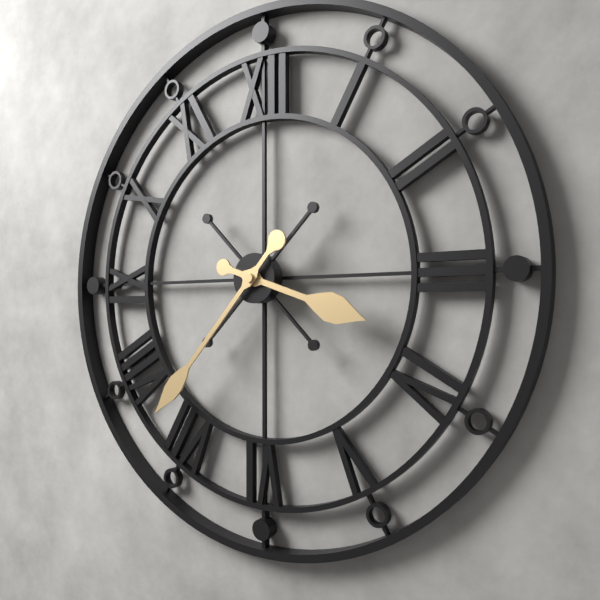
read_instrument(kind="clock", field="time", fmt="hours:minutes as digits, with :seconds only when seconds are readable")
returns 3:37
